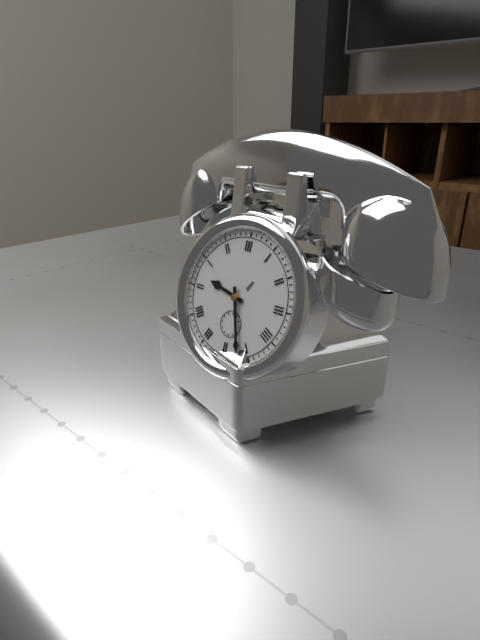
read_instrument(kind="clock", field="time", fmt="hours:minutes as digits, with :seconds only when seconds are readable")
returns 9:27
